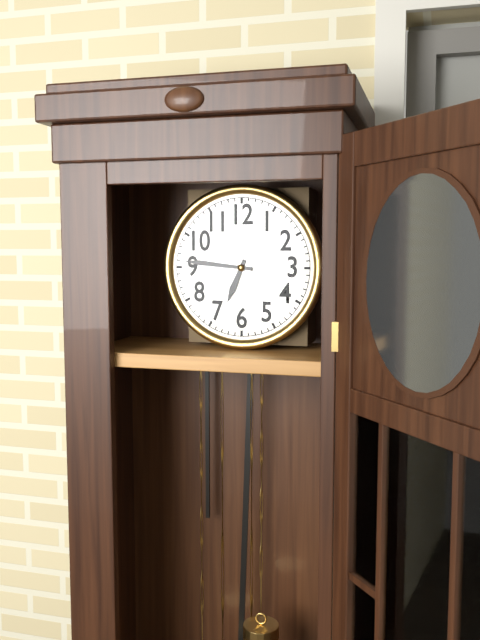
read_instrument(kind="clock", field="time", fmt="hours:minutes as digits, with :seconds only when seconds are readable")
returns 6:46
